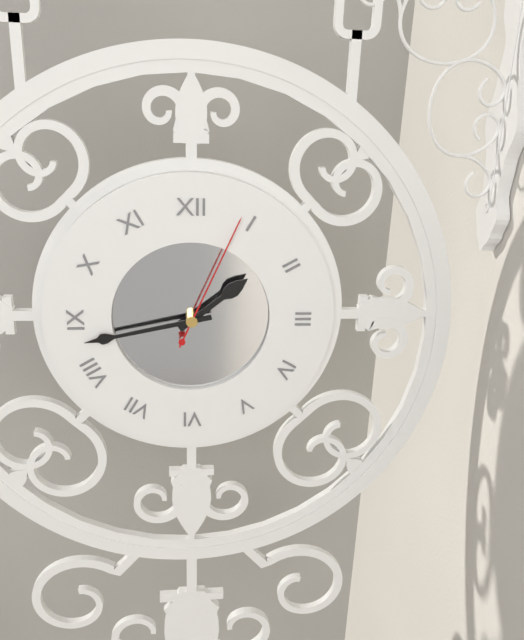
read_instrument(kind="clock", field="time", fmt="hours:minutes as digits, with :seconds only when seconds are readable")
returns 1:43:04
